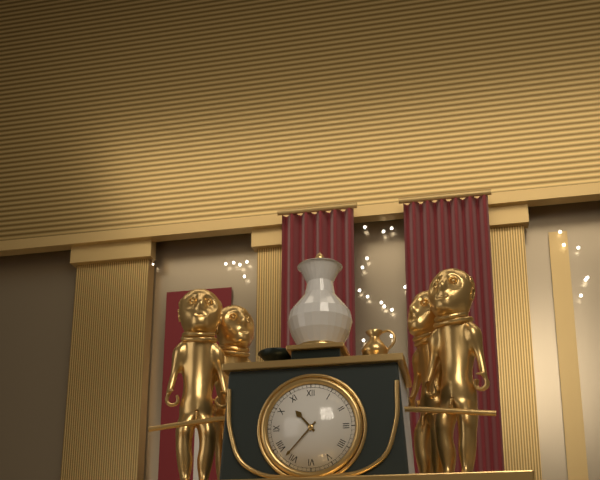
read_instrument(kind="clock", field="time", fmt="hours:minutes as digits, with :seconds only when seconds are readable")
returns 10:37
